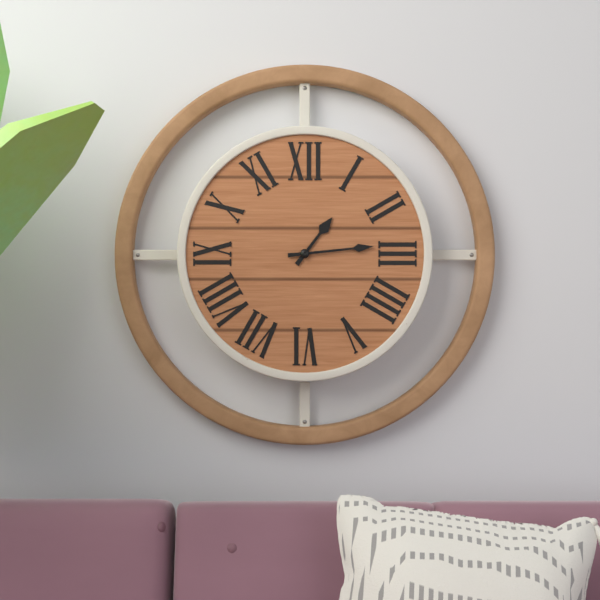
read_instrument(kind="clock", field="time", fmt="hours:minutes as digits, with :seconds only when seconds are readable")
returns 1:14
